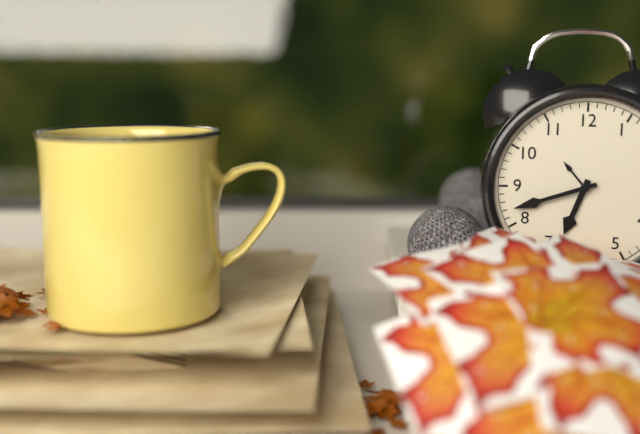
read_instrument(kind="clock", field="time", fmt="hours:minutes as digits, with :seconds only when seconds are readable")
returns 6:42
